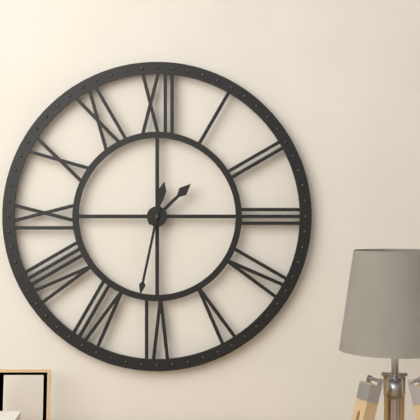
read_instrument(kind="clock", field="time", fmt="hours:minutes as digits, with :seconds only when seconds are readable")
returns 1:32
